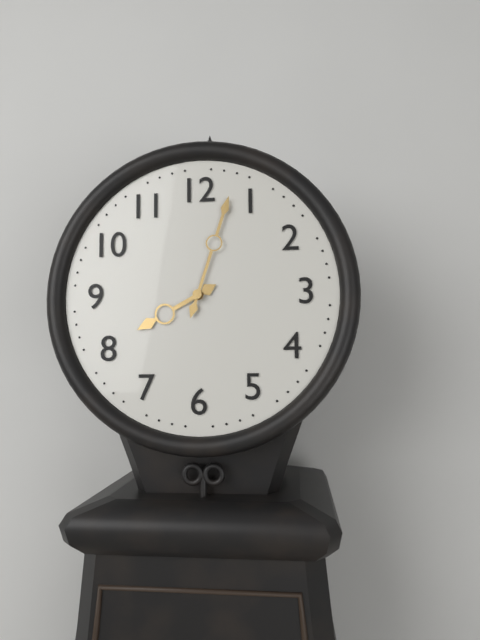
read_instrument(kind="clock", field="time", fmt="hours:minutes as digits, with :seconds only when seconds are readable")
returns 8:03
